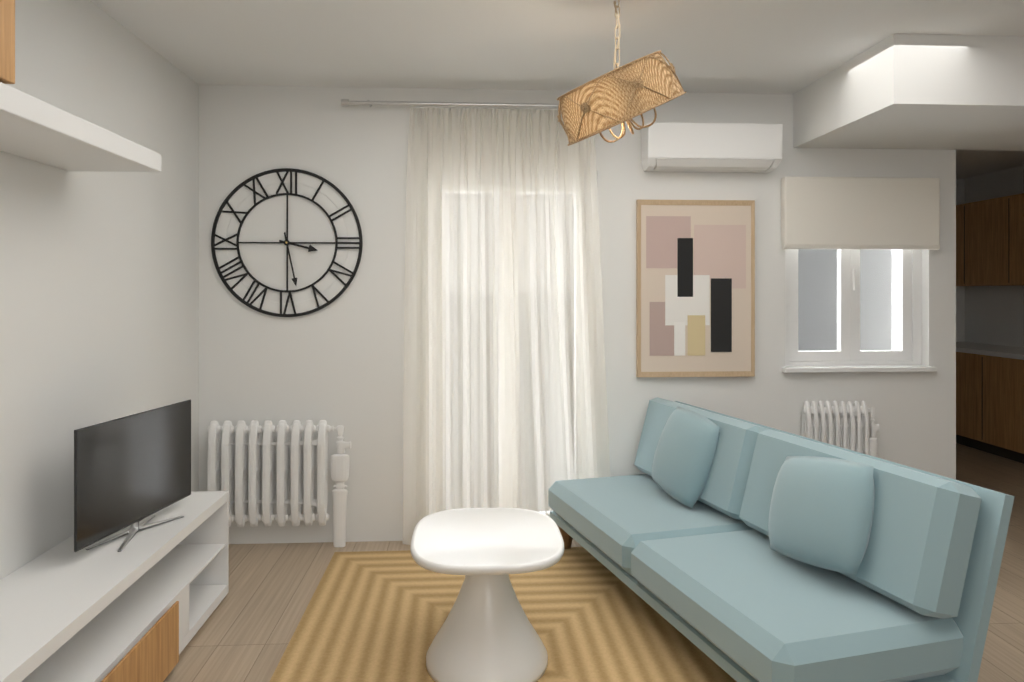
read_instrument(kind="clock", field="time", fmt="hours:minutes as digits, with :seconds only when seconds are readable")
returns 3:28
